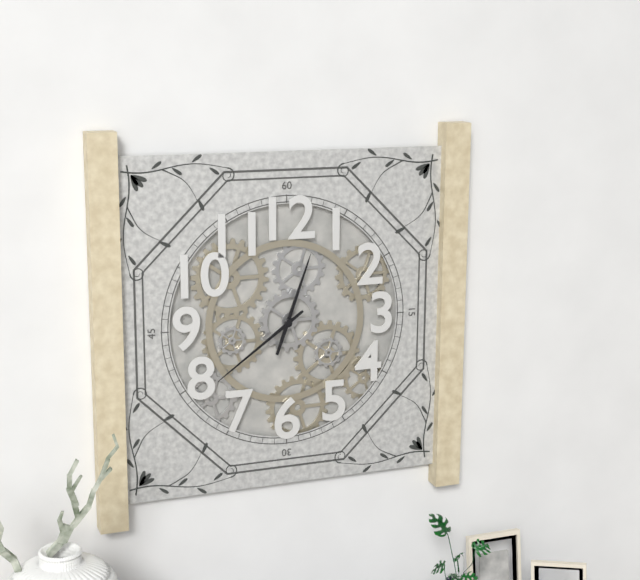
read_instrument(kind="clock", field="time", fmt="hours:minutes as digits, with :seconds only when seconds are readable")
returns 12:39
